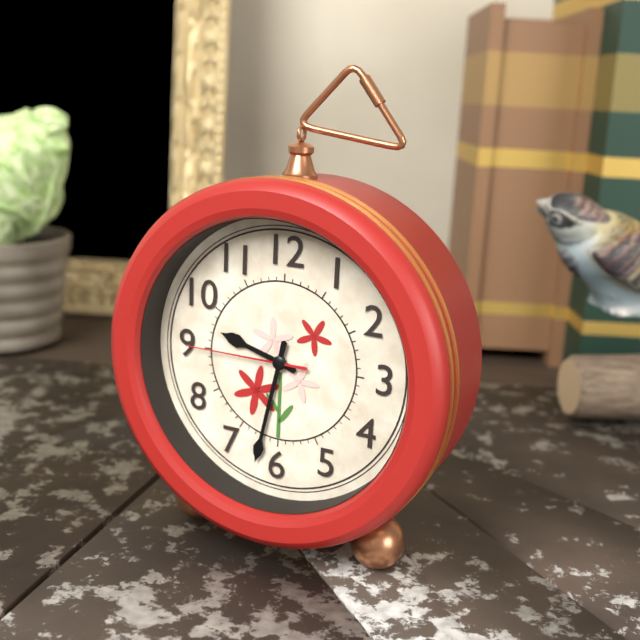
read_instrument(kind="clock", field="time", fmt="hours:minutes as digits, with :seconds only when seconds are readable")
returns 9:32:45
